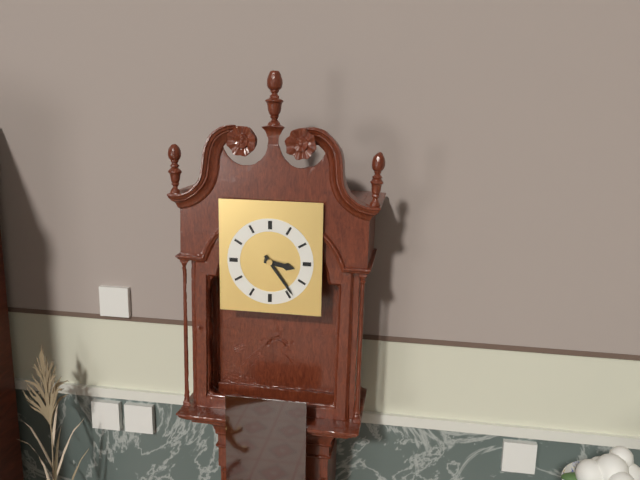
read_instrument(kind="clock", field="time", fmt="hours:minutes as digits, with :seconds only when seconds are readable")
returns 3:24
